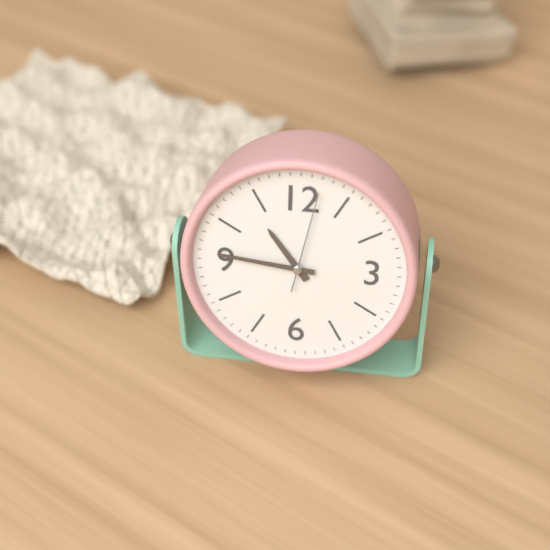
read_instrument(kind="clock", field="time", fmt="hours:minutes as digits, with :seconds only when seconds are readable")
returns 10:46:02
